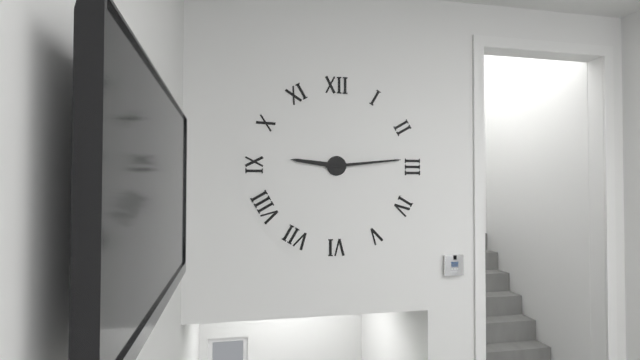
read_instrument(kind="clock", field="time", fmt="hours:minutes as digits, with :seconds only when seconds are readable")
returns 9:14
